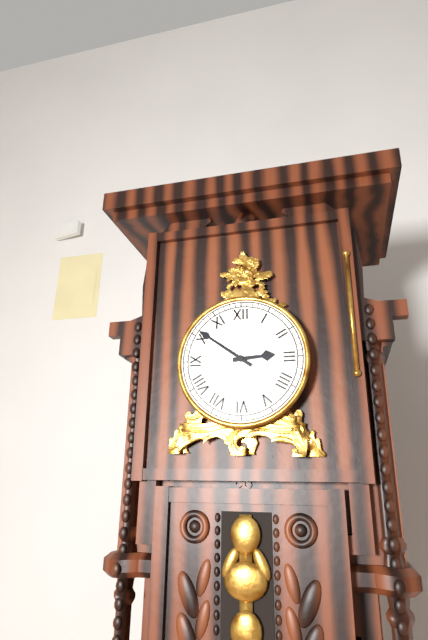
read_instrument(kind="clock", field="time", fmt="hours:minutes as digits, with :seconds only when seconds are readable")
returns 2:51
